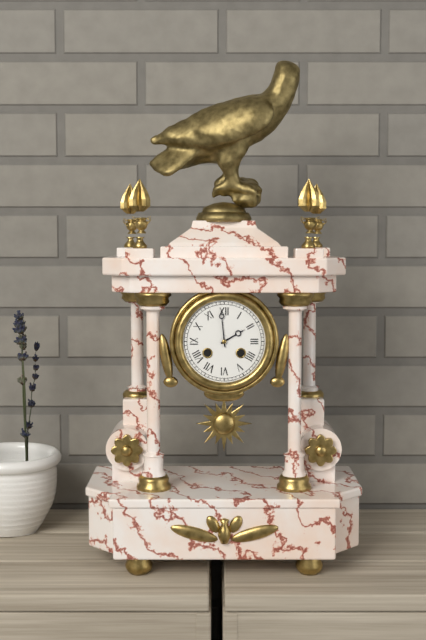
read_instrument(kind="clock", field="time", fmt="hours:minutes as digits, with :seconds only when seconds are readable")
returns 1:59
